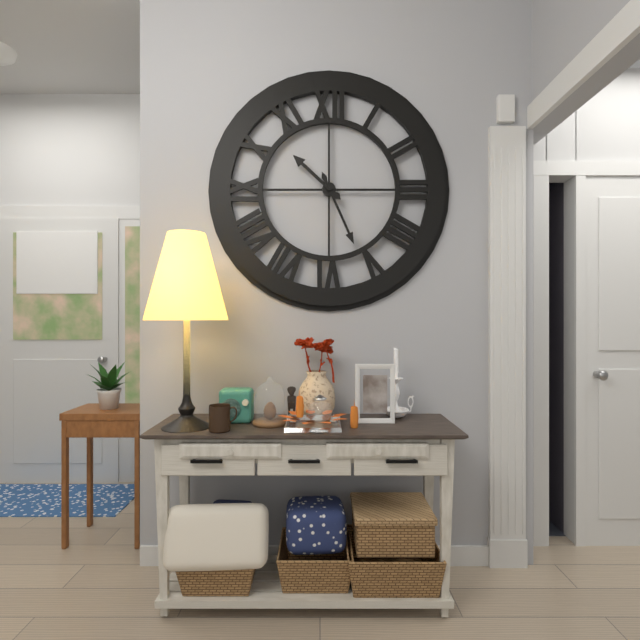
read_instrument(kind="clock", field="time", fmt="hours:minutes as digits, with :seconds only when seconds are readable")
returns 10:26
